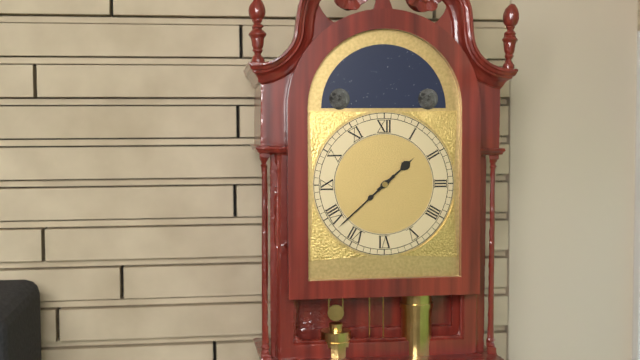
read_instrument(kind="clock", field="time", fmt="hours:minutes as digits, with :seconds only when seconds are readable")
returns 1:38
